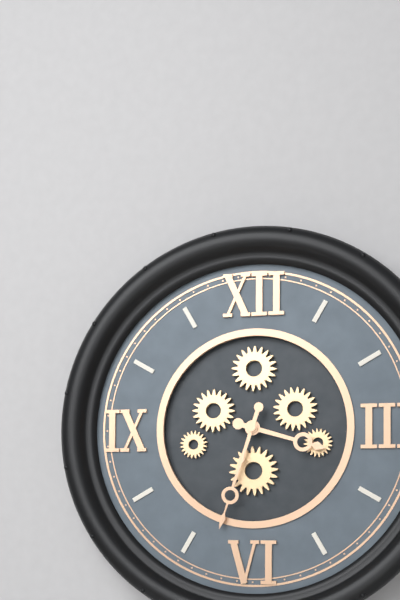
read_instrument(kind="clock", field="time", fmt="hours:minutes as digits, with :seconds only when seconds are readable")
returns 3:33
